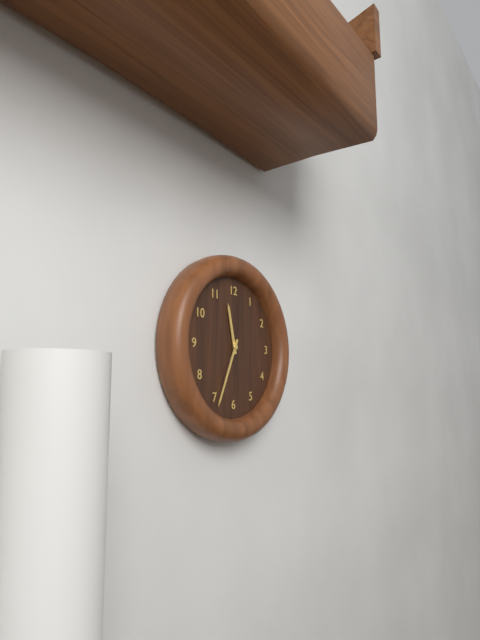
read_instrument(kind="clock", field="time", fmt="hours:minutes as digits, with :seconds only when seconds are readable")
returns 11:34
